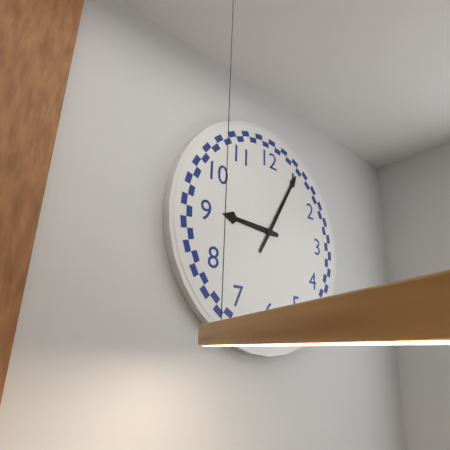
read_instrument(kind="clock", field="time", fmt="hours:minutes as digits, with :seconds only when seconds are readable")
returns 9:05
